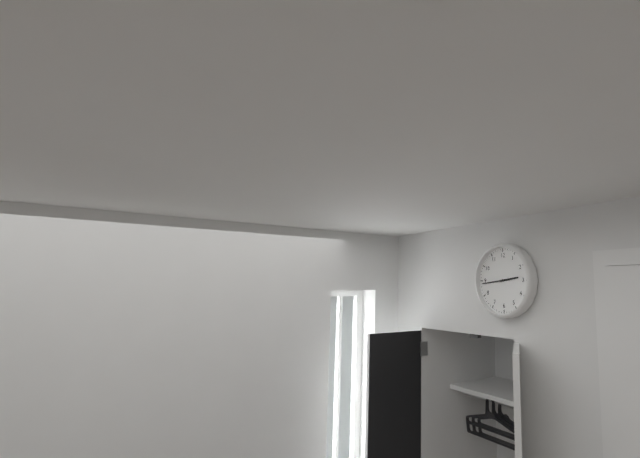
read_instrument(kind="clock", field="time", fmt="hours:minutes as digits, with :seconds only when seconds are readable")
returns 2:44
